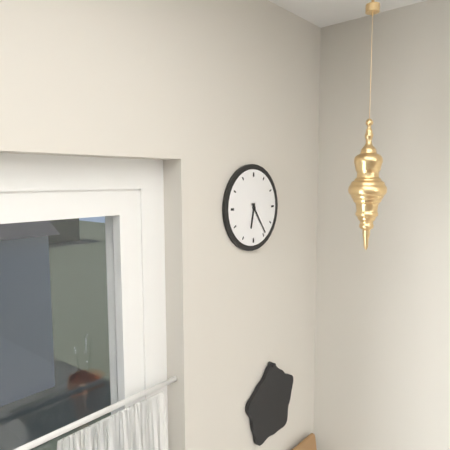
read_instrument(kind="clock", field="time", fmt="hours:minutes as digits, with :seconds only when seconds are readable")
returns 6:24
